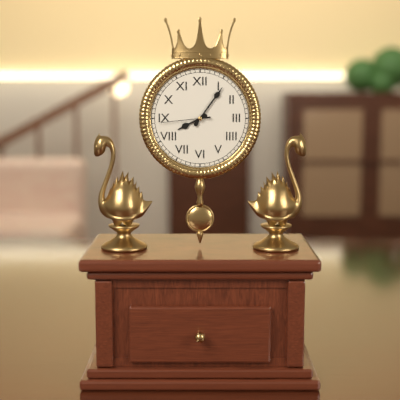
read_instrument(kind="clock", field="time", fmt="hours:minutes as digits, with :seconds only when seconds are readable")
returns 8:06:44
